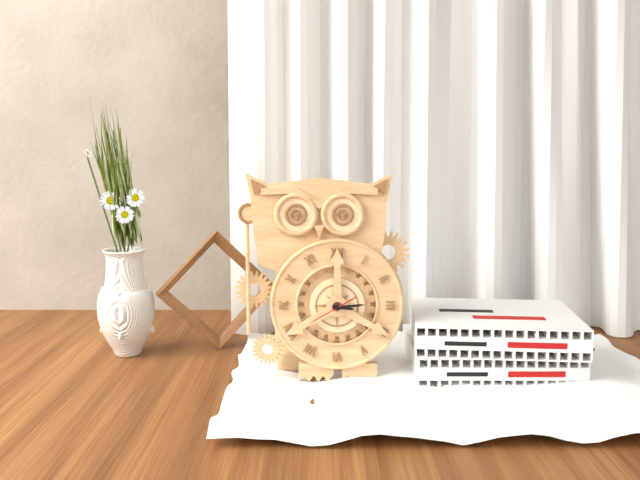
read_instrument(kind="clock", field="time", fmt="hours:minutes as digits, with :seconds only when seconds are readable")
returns 3:14
